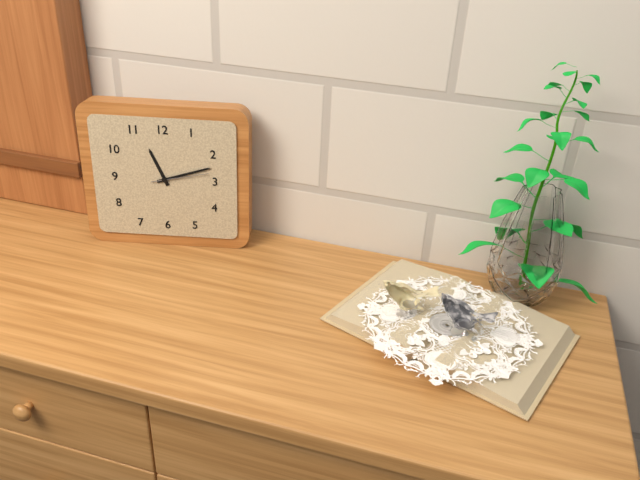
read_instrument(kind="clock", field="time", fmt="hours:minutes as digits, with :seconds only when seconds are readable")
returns 11:12:13
